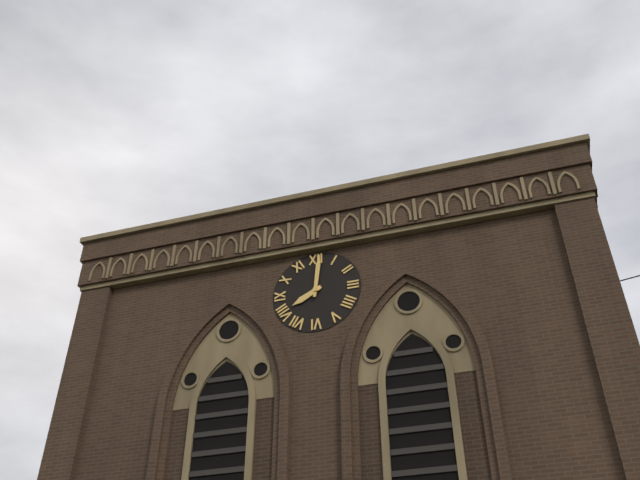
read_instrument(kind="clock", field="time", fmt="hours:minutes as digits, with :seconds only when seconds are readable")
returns 8:01
